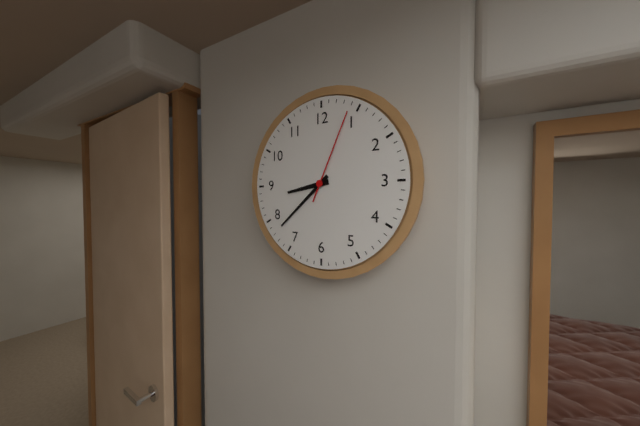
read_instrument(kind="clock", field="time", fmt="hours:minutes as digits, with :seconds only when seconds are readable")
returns 8:38:04
